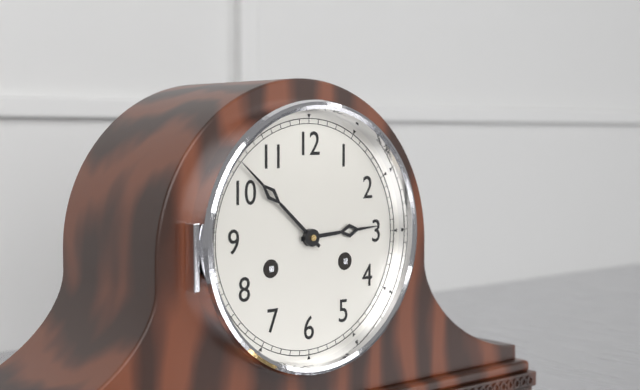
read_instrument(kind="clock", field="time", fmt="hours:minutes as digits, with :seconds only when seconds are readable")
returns 2:52
